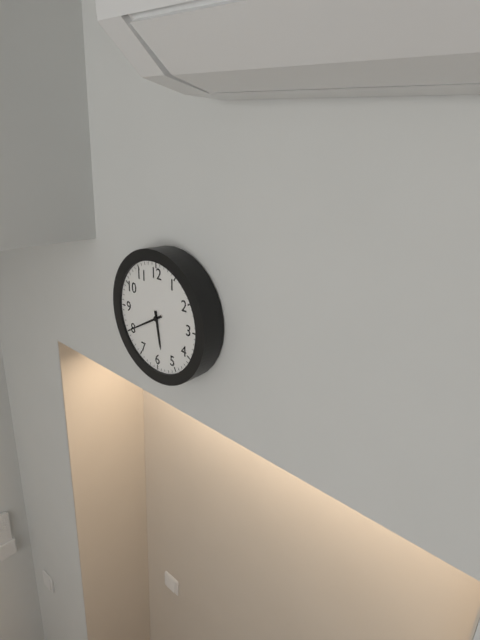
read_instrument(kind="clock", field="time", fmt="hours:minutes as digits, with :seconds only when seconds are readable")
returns 5:40
